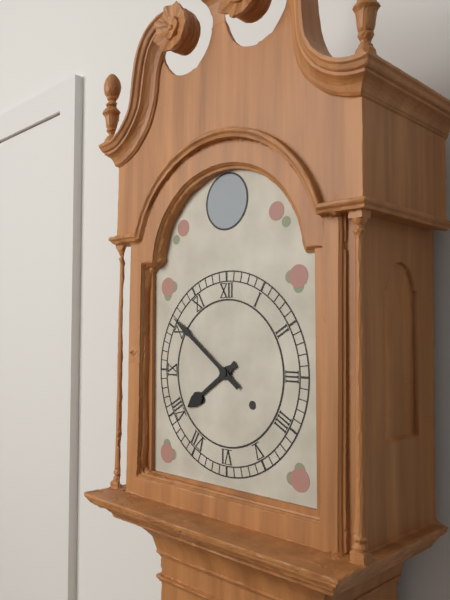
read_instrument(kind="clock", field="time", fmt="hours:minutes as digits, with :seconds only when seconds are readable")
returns 7:51
